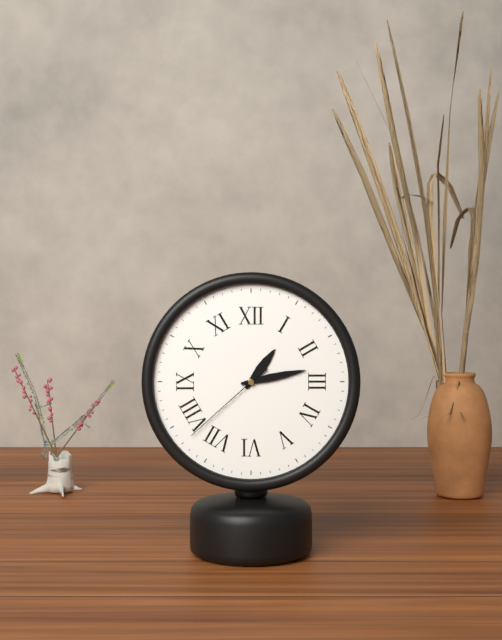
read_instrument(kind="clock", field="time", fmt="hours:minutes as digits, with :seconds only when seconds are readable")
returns 1:13:38
